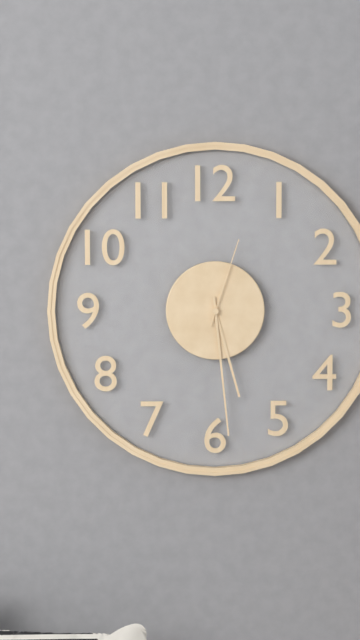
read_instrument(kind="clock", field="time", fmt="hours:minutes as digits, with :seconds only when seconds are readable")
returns 5:29:03
